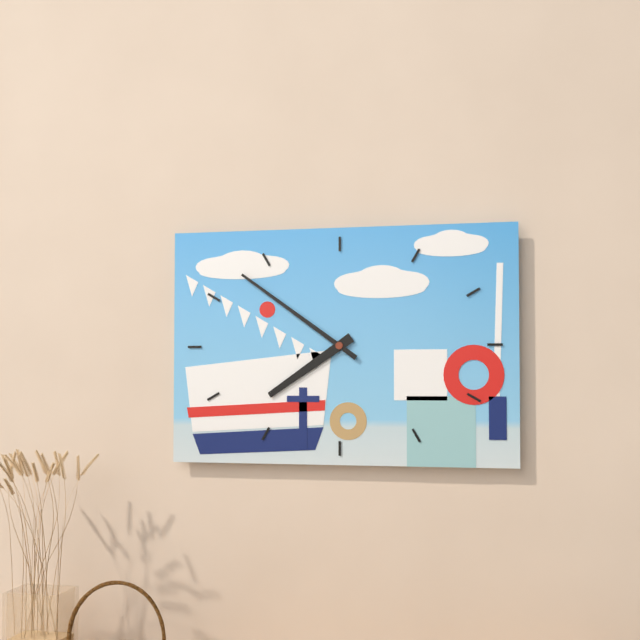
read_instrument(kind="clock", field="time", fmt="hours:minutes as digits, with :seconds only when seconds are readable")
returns 7:51
